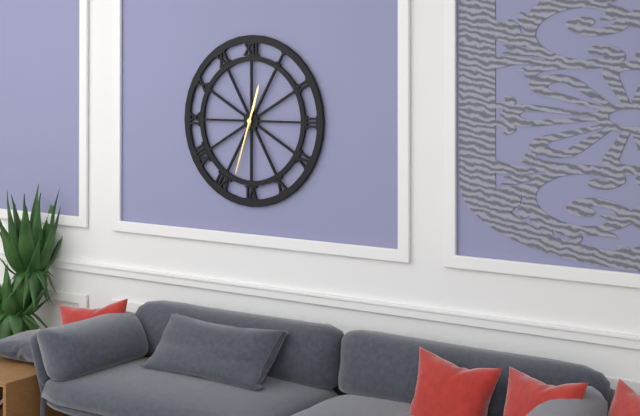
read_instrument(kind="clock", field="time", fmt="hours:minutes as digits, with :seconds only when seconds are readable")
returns 12:33
